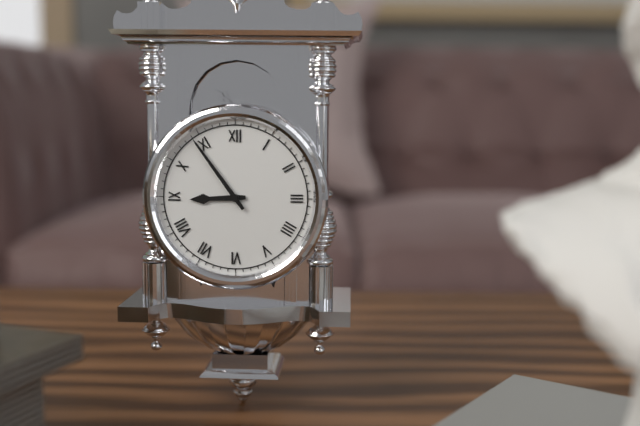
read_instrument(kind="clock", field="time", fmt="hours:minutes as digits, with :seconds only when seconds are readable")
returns 8:54
